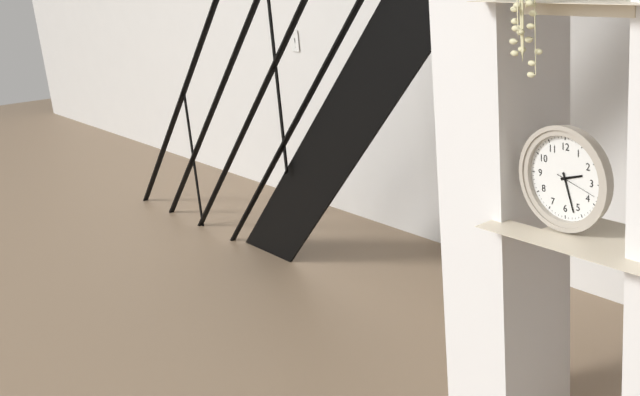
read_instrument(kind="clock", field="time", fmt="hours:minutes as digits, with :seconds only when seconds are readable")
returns 2:27
